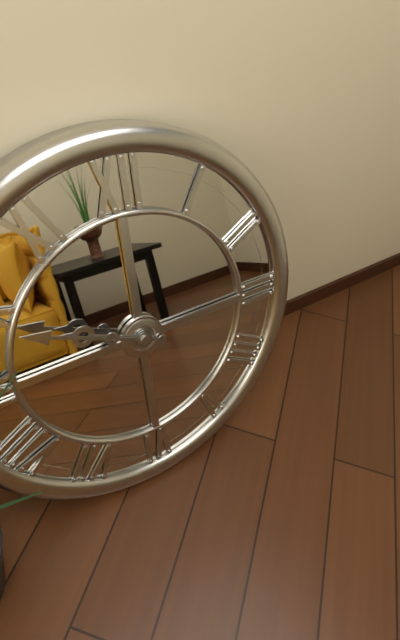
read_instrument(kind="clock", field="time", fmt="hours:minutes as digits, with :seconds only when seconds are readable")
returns 9:49
